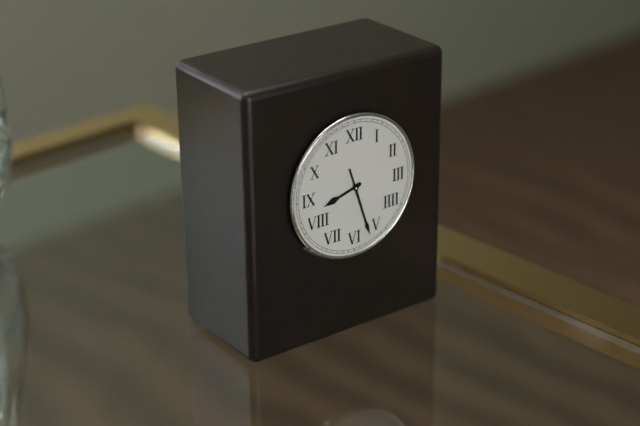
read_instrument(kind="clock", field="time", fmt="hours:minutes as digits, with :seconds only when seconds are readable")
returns 8:27
